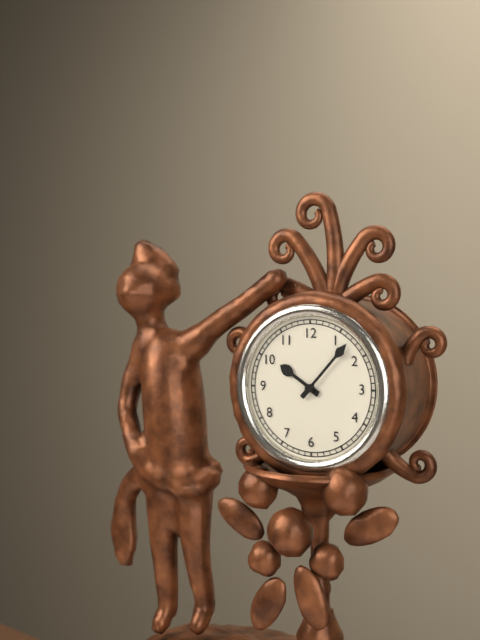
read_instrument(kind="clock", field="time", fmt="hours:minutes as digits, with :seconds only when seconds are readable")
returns 10:07
